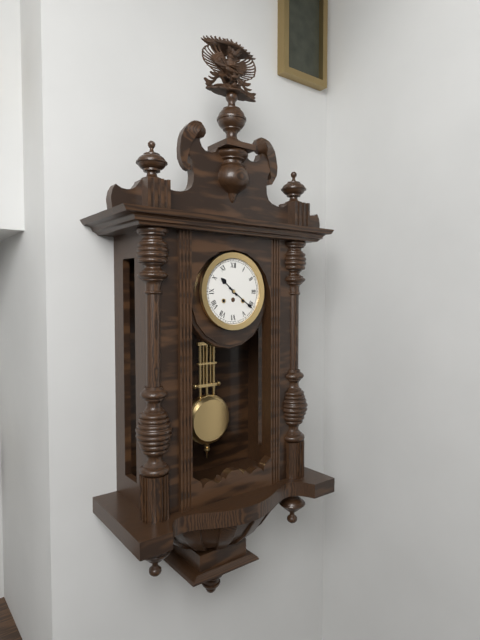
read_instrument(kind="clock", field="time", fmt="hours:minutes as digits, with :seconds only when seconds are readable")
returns 10:21
